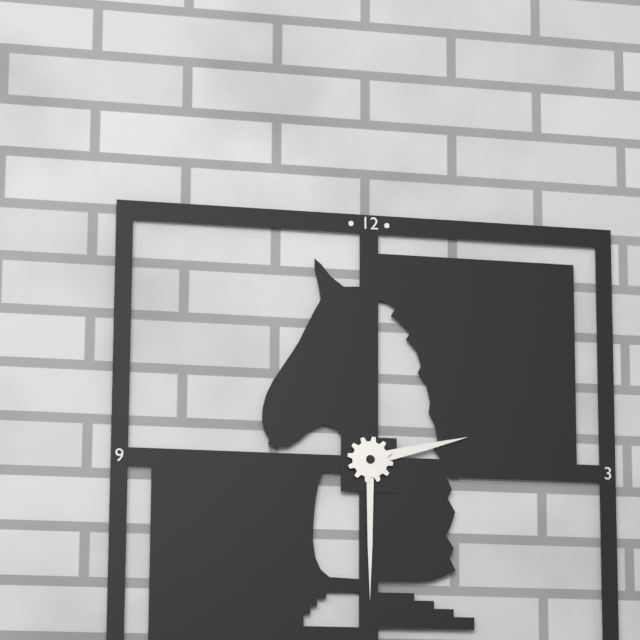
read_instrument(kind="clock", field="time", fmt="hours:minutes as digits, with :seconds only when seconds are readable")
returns 2:30
